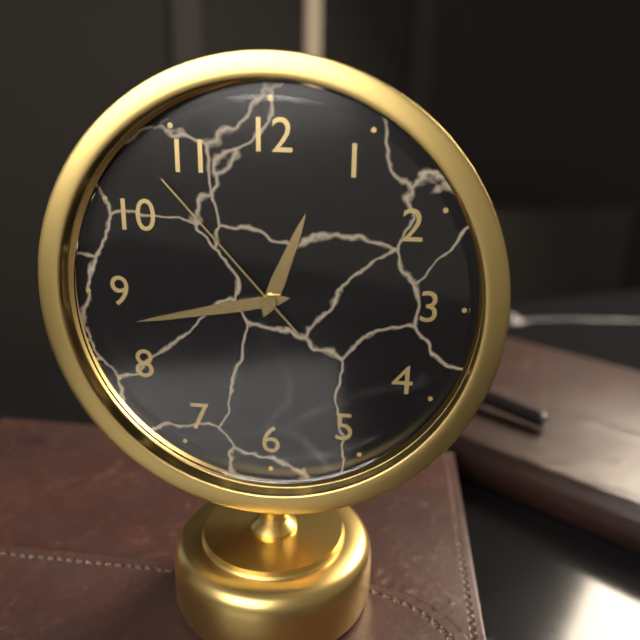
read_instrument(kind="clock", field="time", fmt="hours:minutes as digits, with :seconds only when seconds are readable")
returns 12:43:53
